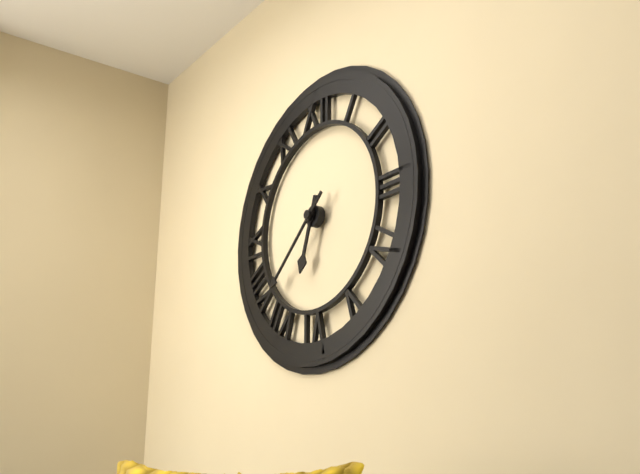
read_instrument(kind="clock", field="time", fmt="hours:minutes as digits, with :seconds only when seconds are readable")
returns 6:38
